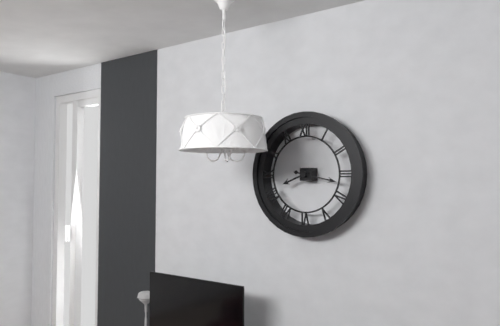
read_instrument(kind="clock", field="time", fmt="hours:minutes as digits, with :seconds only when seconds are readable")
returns 8:17
